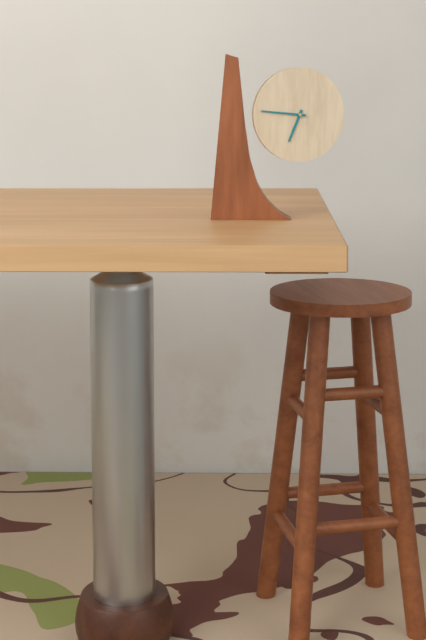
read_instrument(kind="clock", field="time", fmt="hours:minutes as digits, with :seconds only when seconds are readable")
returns 6:46
